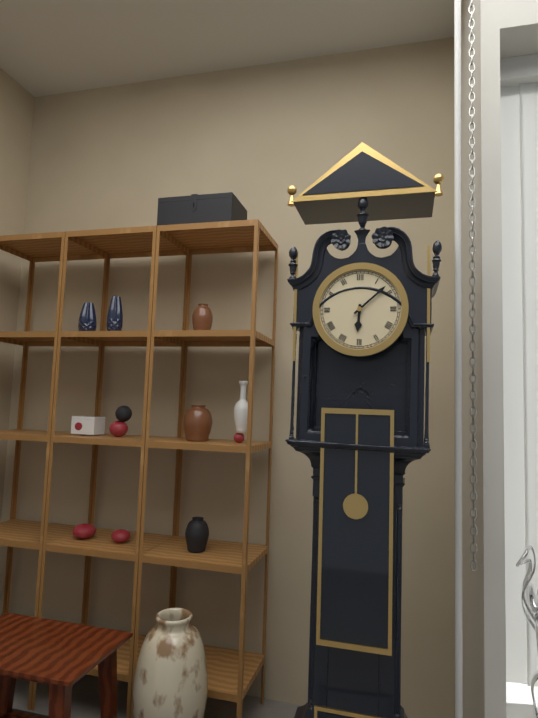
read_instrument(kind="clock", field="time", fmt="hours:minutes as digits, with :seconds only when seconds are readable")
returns 6:08
